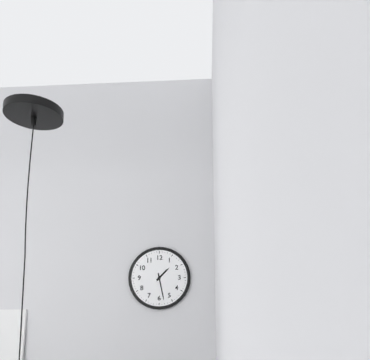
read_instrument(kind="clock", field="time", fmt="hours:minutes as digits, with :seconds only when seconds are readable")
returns 1:28
